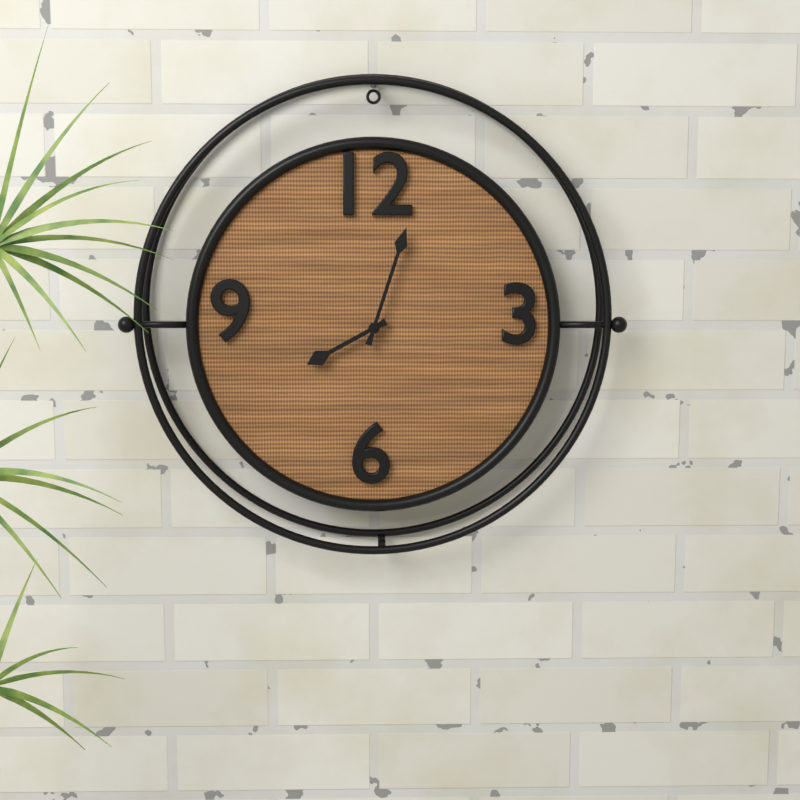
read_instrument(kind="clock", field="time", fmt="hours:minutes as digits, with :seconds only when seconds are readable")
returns 8:03
